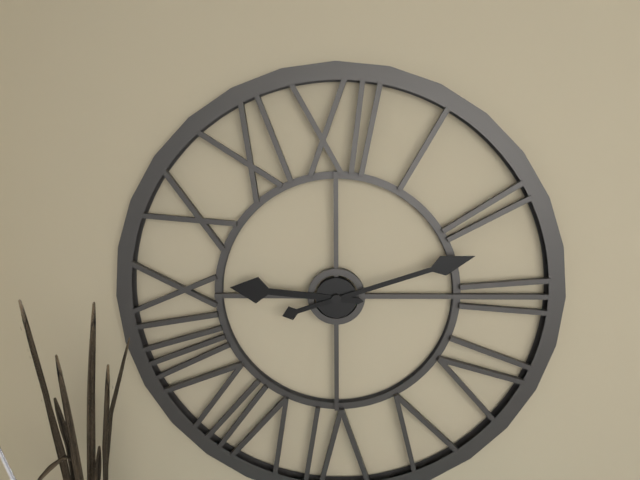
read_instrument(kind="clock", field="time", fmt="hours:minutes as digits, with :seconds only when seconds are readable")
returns 9:12
